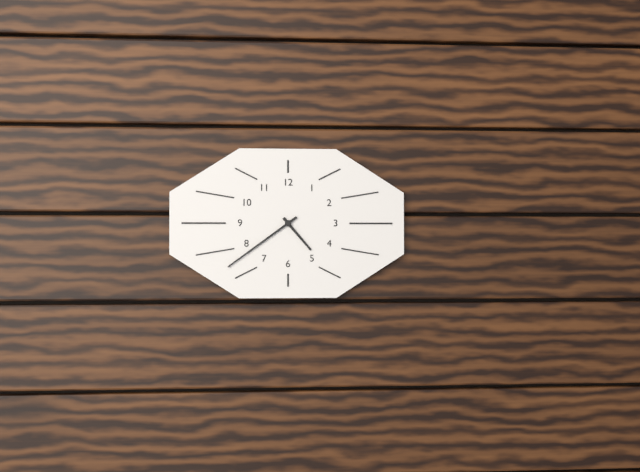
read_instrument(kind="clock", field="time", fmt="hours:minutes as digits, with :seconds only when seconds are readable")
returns 4:39
